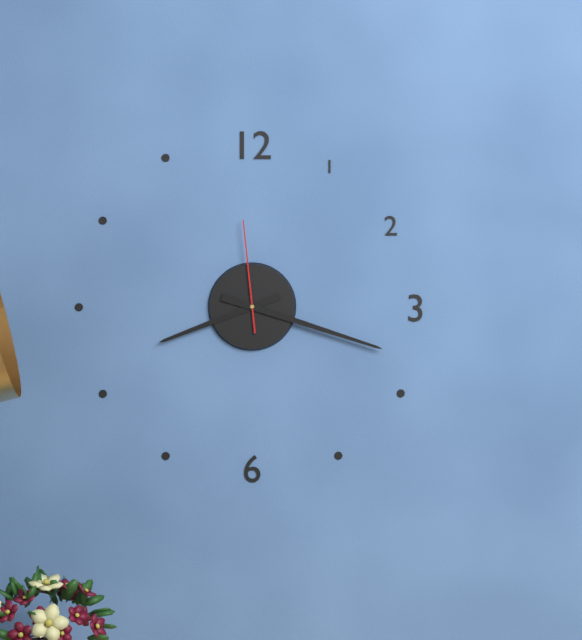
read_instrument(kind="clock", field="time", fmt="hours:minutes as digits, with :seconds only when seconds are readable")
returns 8:18:59
